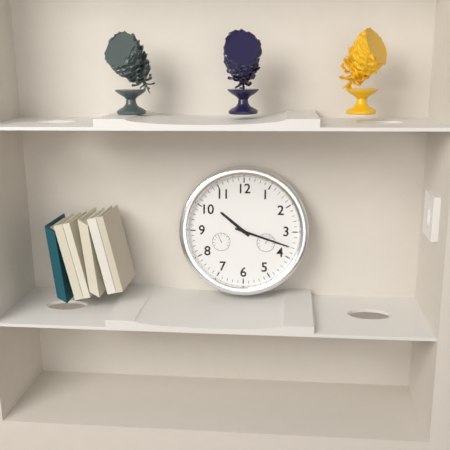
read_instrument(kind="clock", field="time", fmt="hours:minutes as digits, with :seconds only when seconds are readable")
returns 10:18
